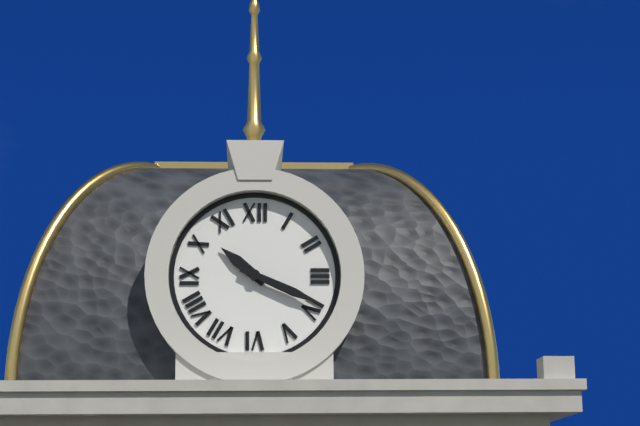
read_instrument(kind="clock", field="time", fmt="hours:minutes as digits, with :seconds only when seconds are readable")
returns 10:19
